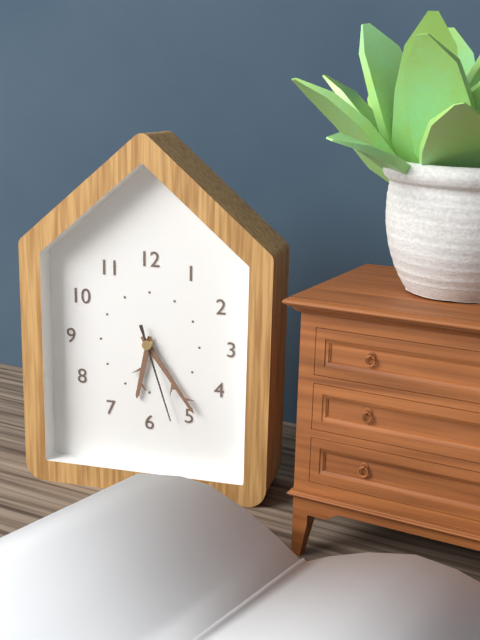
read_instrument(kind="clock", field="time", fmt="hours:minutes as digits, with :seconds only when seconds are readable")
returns 6:24:27
